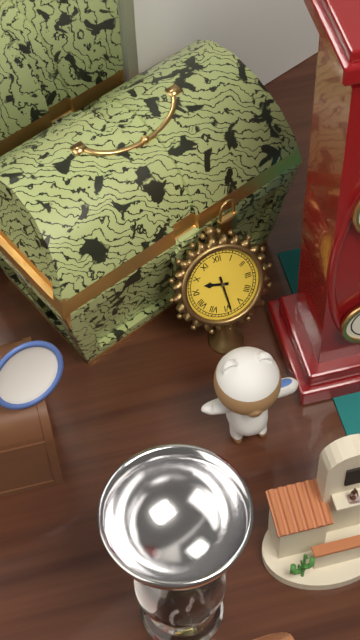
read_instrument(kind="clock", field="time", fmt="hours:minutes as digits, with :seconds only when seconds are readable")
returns 9:29
